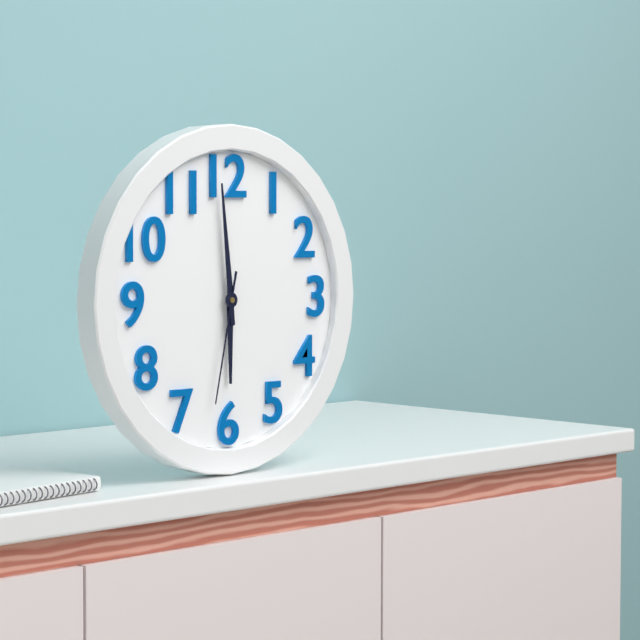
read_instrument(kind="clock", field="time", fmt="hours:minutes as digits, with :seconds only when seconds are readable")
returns 5:59:32
